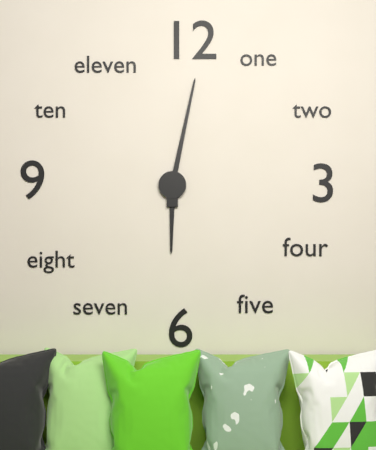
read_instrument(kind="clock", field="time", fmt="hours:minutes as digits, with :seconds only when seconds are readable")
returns 6:02
